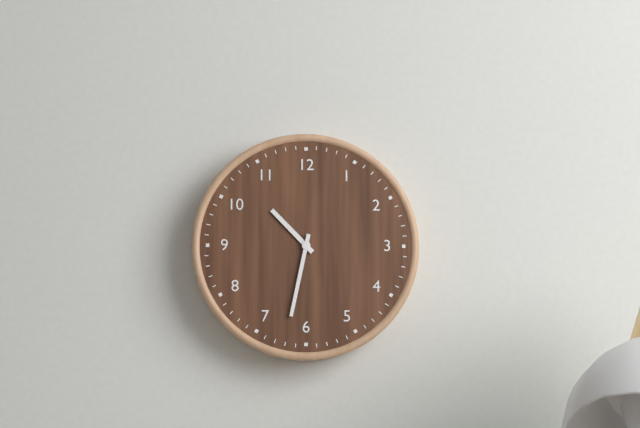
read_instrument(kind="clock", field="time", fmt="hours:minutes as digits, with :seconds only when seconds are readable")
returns 10:32
